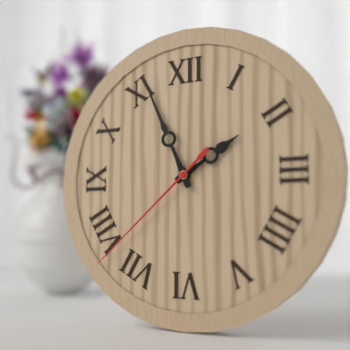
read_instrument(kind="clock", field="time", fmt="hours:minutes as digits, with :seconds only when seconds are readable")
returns 1:56:38
